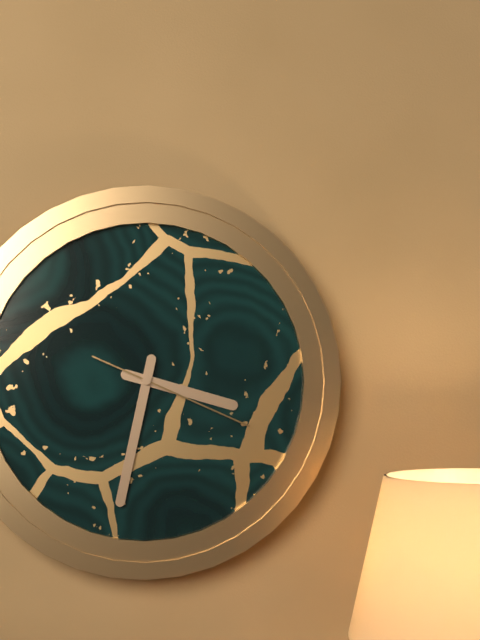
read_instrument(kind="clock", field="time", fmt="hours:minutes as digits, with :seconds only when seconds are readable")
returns 3:32:19
